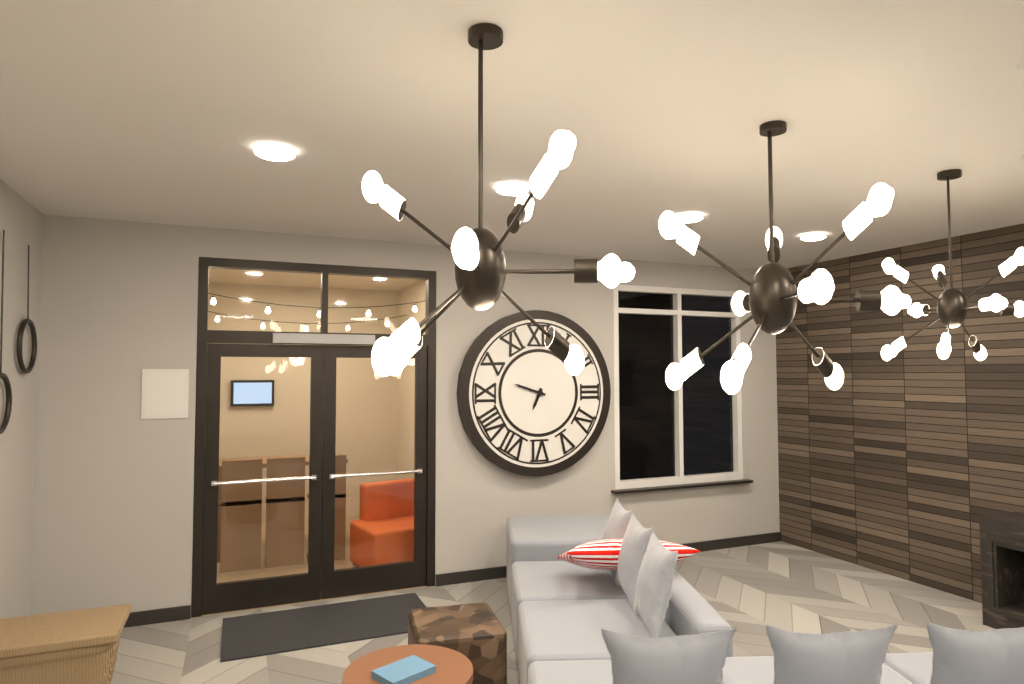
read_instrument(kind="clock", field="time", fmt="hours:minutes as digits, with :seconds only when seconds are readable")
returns 6:48
